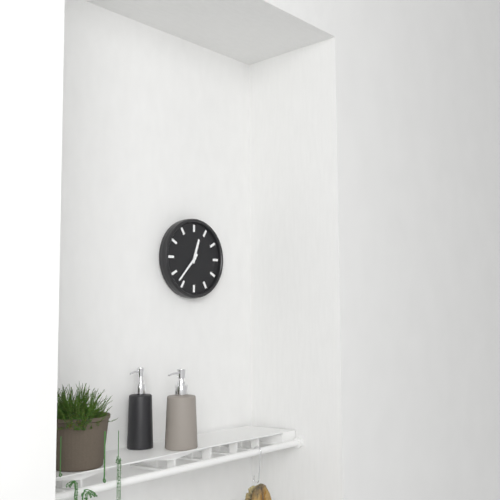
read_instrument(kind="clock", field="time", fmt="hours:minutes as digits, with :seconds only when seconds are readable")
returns 12:37
